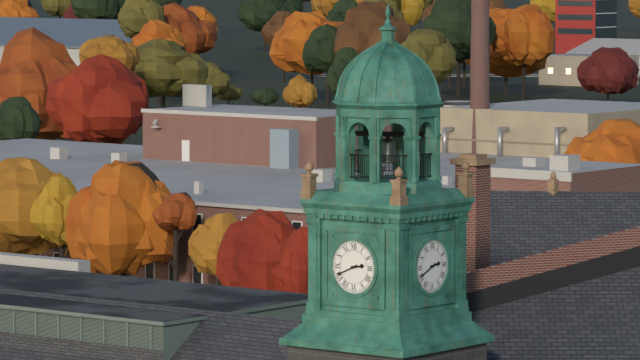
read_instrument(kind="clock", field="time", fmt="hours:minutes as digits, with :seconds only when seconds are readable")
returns 2:41
